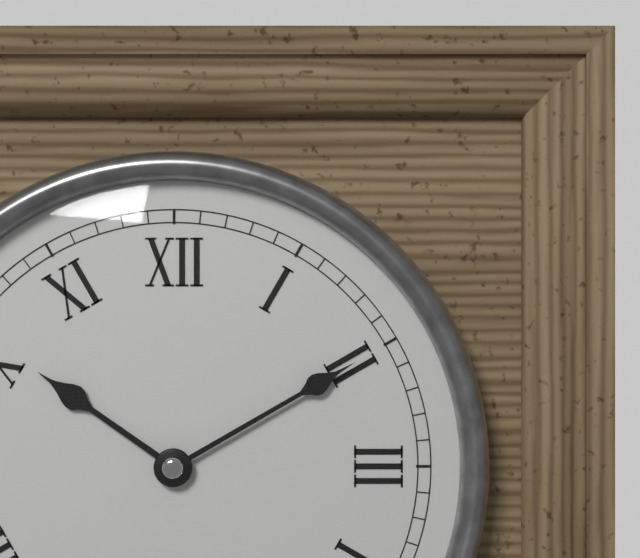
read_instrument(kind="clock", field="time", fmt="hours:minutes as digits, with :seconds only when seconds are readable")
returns 10:10
